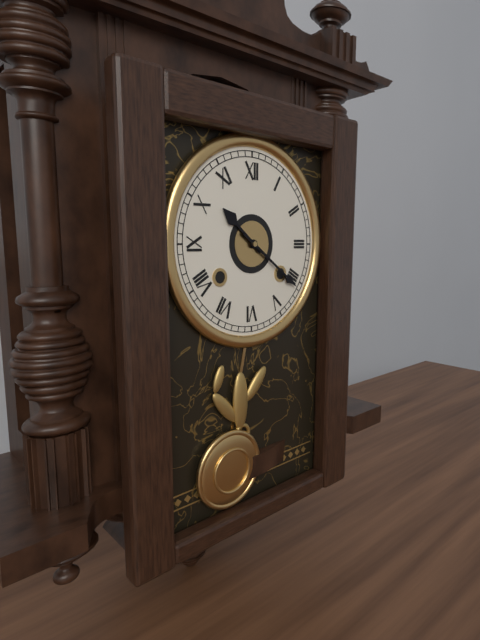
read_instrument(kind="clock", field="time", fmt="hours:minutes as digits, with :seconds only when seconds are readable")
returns 10:21
